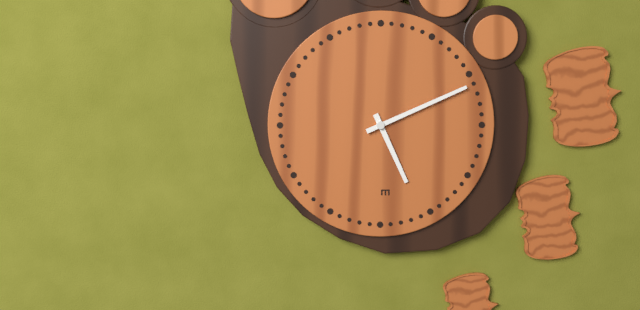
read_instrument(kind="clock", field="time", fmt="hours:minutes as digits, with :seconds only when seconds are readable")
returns 5:11
